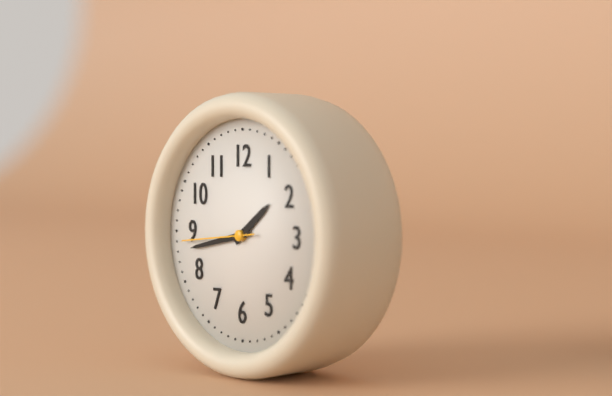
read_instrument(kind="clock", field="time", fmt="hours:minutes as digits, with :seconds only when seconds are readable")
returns 1:43:44
